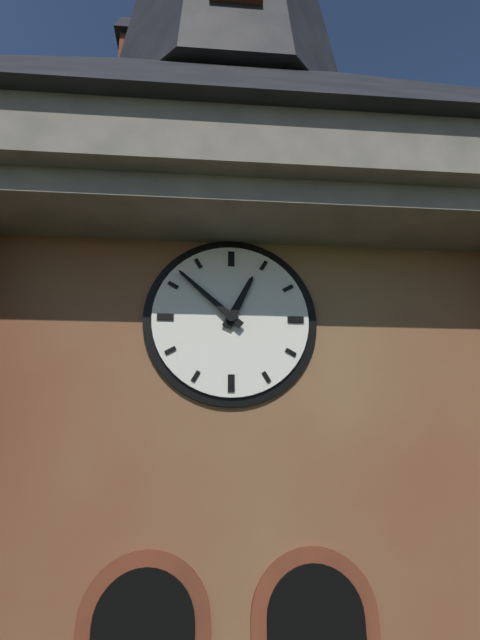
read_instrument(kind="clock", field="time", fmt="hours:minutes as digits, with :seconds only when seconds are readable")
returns 12:52
